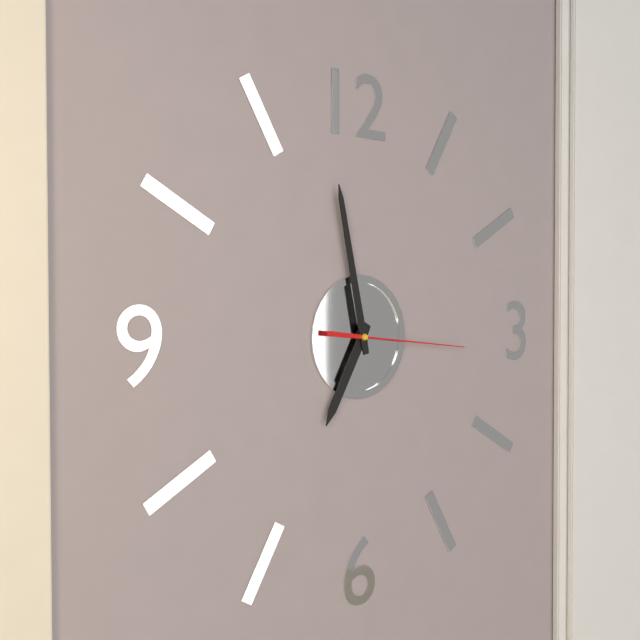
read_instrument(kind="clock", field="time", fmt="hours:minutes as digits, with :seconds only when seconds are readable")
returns 6:58:16
